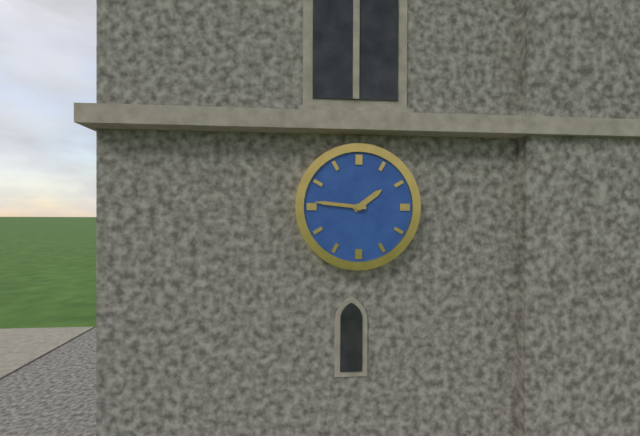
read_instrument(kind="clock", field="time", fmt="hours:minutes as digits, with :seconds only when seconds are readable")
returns 1:46
